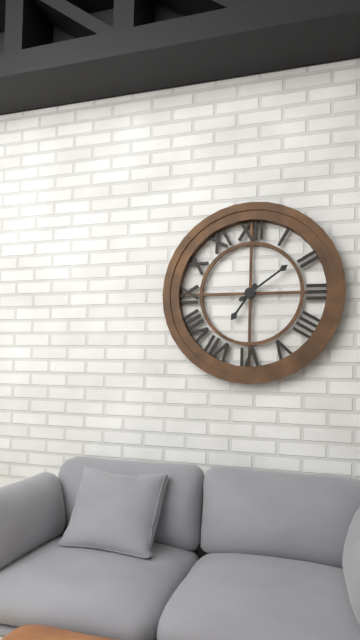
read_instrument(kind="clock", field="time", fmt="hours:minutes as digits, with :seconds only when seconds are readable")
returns 7:09
